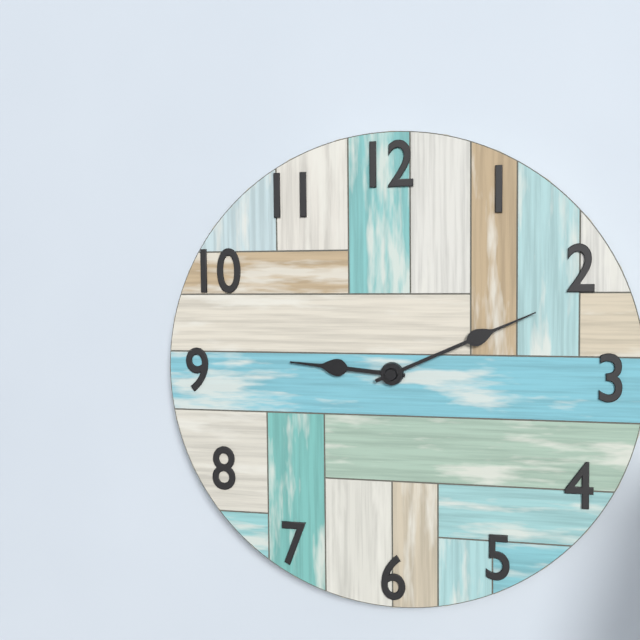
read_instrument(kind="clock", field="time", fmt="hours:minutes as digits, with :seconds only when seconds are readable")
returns 9:11
